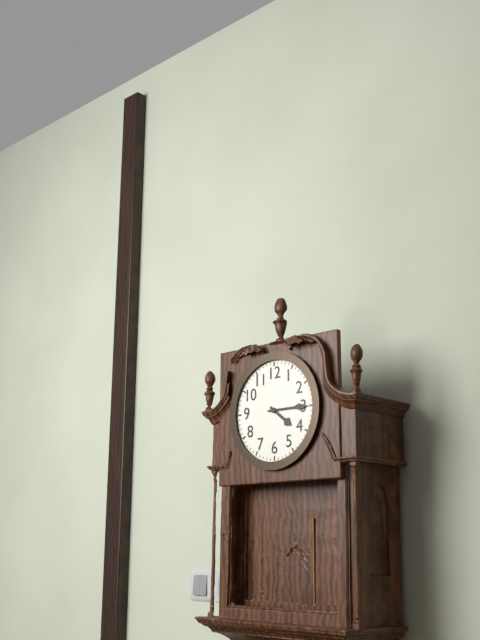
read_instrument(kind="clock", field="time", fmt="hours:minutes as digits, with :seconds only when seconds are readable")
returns 4:15
